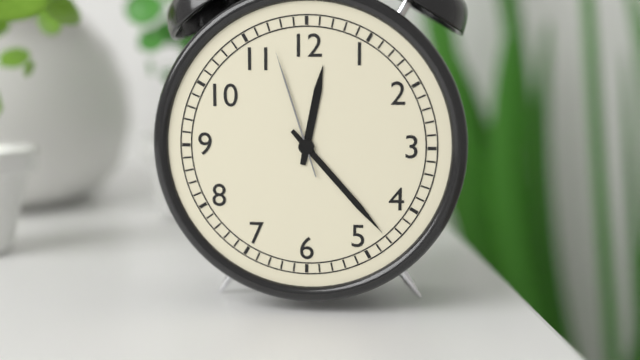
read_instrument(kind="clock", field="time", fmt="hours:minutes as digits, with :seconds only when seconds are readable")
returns 12:23:57
